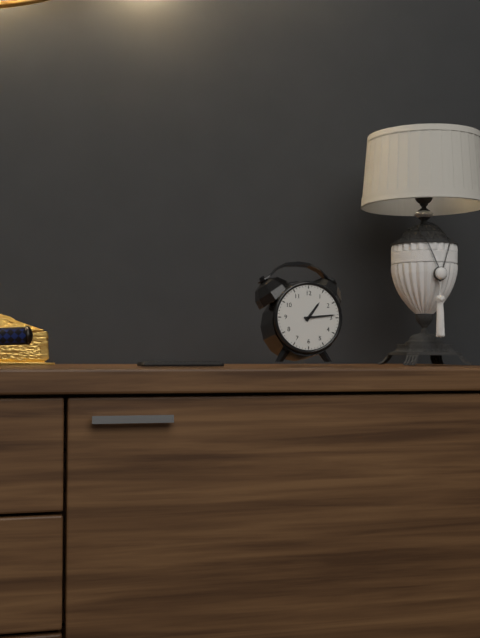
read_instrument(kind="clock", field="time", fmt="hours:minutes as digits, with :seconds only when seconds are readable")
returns 1:14
